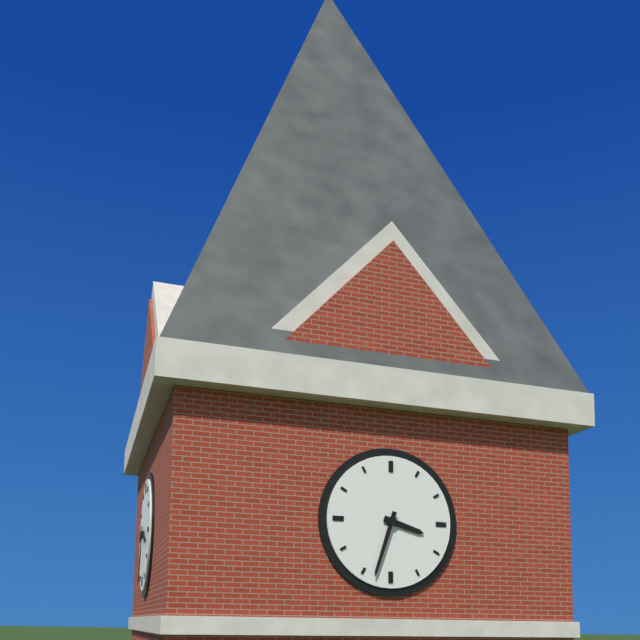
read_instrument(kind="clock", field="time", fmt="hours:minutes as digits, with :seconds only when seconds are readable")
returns 3:33
